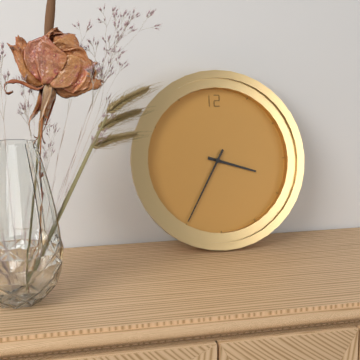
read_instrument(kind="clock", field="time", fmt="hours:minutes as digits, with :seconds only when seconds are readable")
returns 3:35
